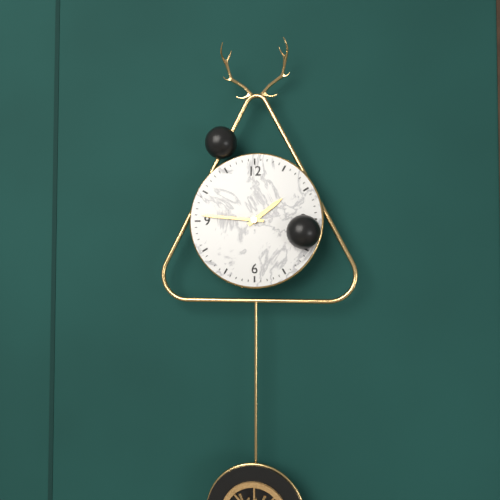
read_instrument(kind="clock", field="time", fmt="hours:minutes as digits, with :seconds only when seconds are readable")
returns 1:46
